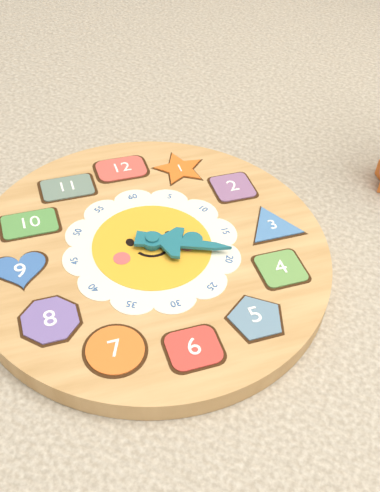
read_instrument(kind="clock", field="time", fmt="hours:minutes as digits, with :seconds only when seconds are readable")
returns 3:19
